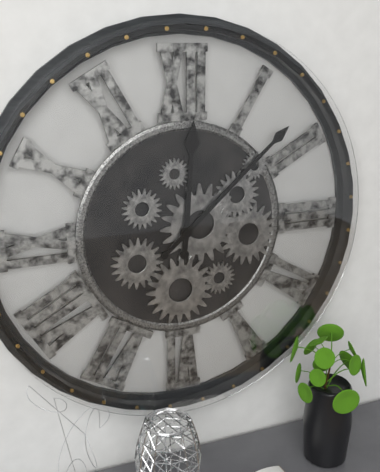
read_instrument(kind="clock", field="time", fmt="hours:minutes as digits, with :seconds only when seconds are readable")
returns 12:08
